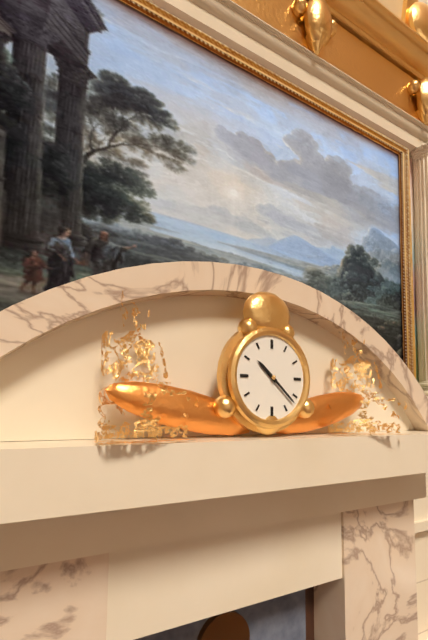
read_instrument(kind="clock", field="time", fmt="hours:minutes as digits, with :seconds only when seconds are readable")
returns 10:22
